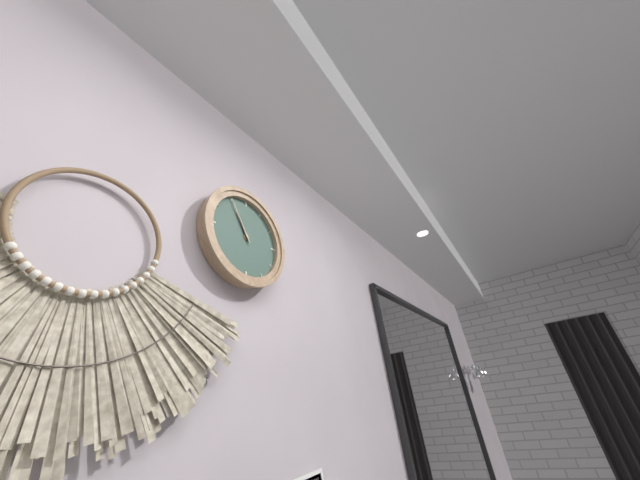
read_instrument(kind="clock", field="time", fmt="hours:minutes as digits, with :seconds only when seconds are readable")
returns 10:55
